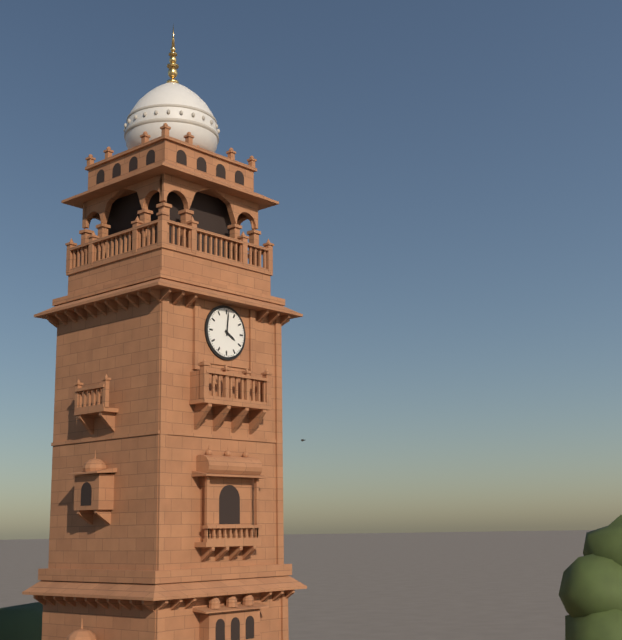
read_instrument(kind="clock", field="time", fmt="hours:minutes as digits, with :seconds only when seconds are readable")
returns 4:01
